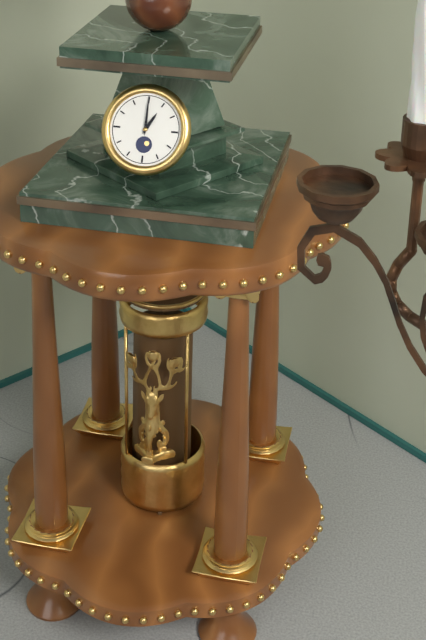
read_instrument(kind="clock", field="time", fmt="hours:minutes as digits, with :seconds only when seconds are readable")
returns 1:00
